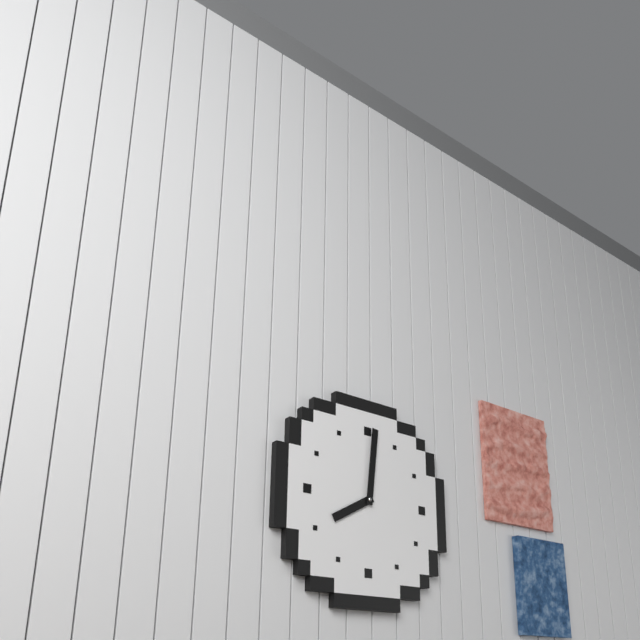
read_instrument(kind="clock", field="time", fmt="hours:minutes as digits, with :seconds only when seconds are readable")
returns 8:01
